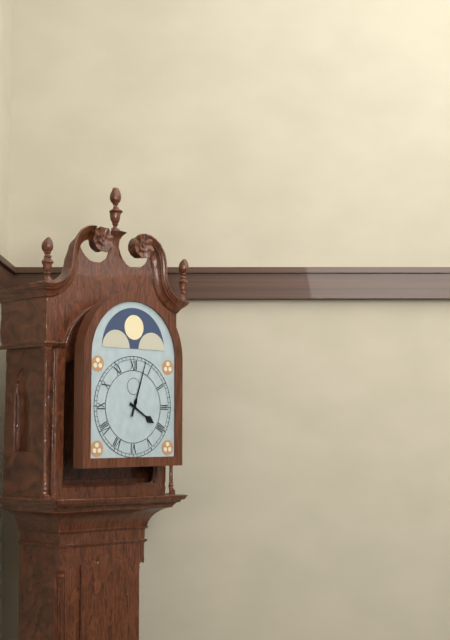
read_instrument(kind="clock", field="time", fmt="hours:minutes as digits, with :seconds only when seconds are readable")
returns 4:03
